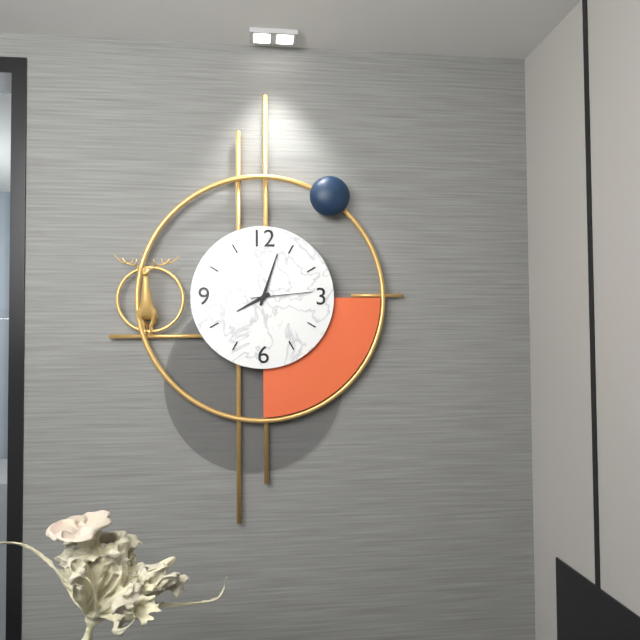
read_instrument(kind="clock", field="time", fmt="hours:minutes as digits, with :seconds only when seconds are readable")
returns 8:03:14
